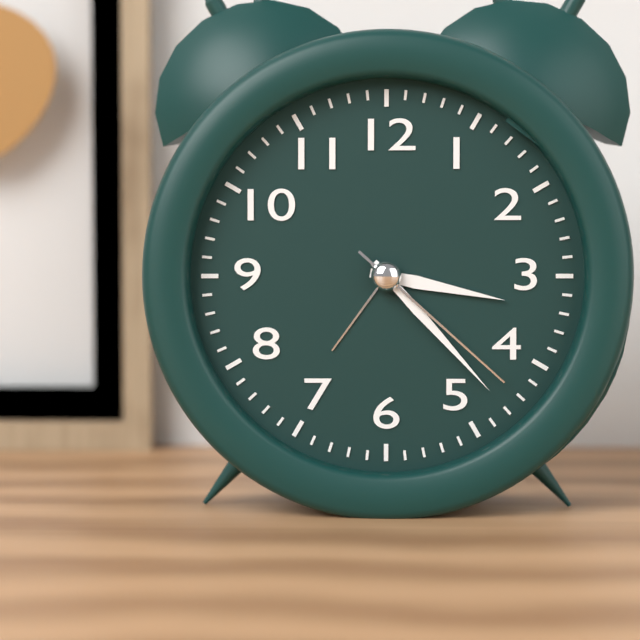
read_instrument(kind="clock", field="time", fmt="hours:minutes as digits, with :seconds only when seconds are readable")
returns 3:23:22
